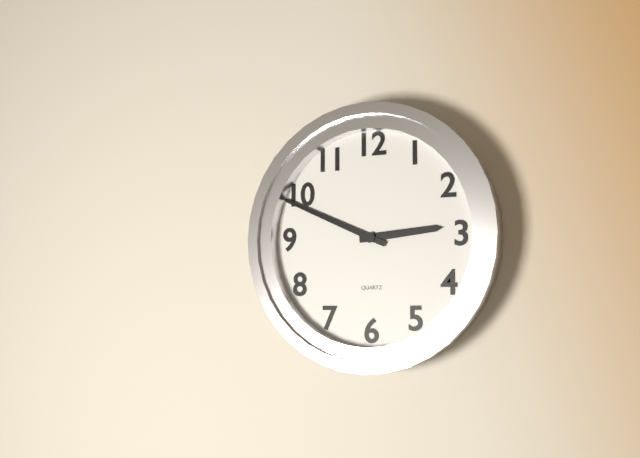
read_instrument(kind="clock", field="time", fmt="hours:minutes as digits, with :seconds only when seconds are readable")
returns 2:49
